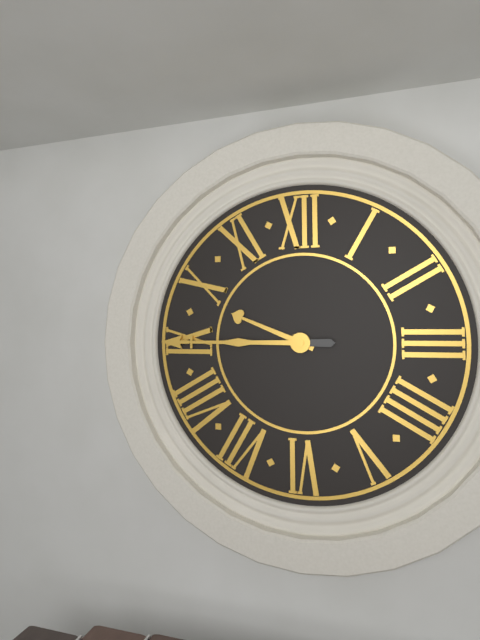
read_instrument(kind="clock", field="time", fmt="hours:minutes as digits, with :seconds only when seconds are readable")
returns 9:45
